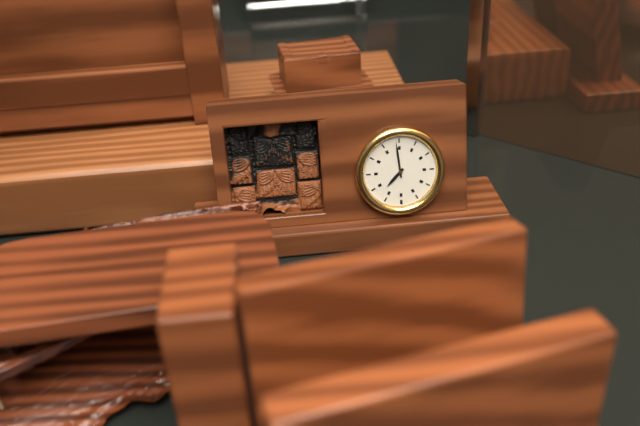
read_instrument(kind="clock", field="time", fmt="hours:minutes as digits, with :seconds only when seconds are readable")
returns 1:29
